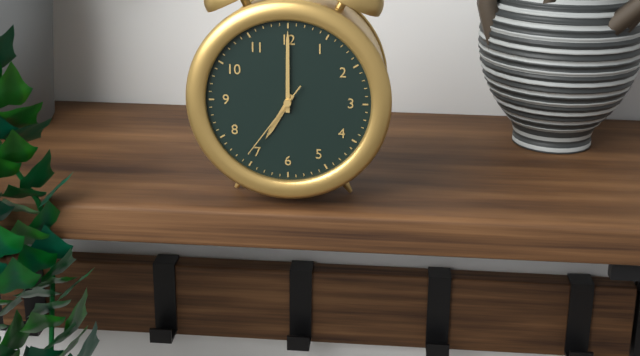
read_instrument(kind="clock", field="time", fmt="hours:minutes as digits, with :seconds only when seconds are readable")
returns 7:00:36
